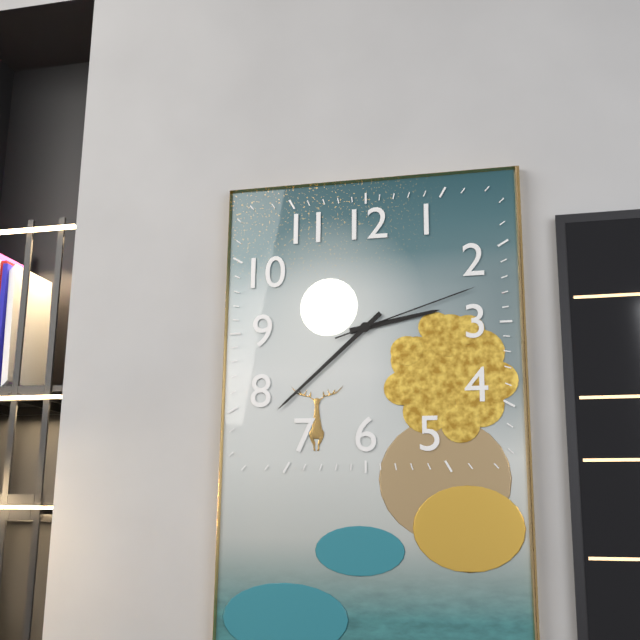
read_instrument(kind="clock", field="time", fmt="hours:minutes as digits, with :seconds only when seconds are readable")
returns 2:38:12
